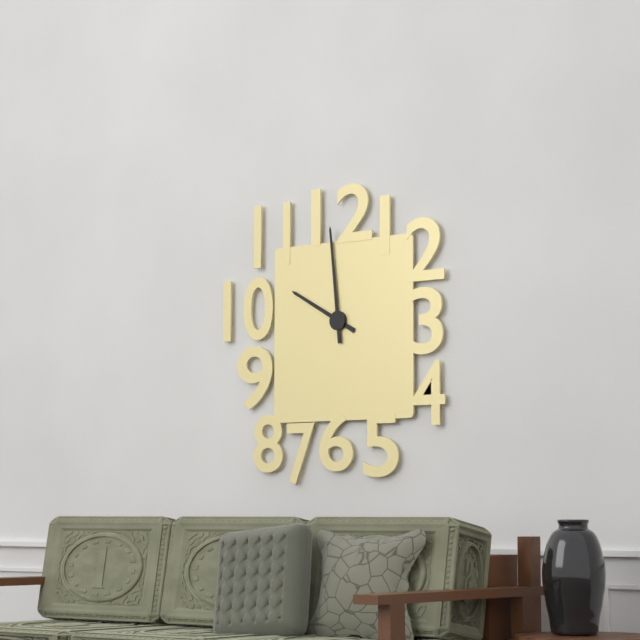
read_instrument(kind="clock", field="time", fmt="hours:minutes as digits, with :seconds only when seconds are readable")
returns 9:59
